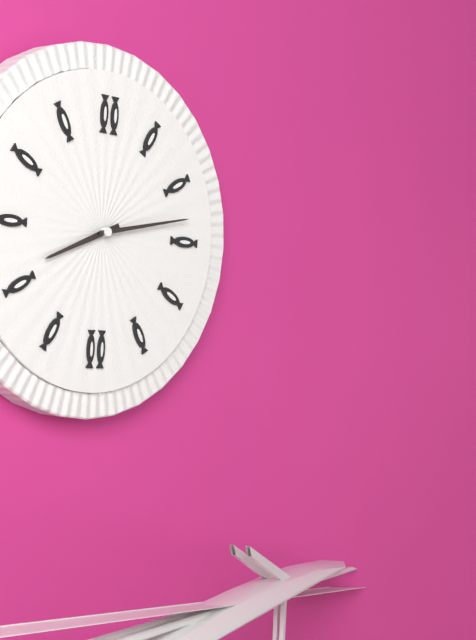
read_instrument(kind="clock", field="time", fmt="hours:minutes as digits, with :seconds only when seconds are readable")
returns 8:13
